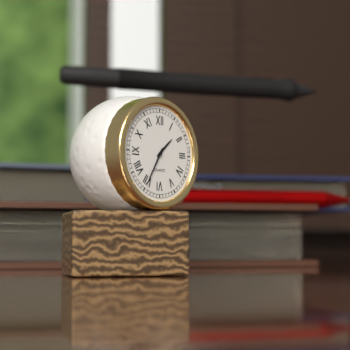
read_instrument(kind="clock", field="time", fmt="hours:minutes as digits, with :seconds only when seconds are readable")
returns 1:35
